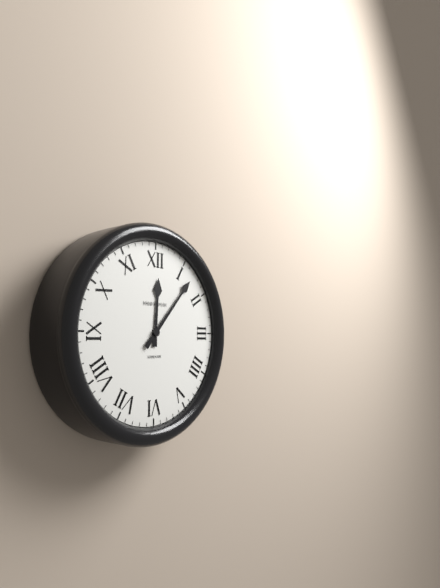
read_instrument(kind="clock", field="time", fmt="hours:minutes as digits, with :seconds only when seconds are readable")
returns 12:07
